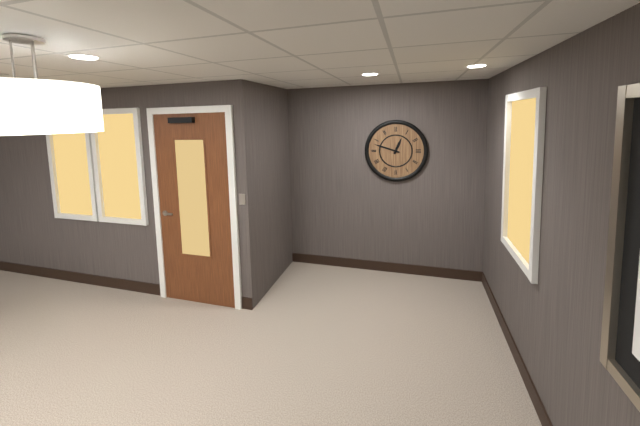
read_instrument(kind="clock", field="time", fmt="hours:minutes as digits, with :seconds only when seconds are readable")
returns 12:48
